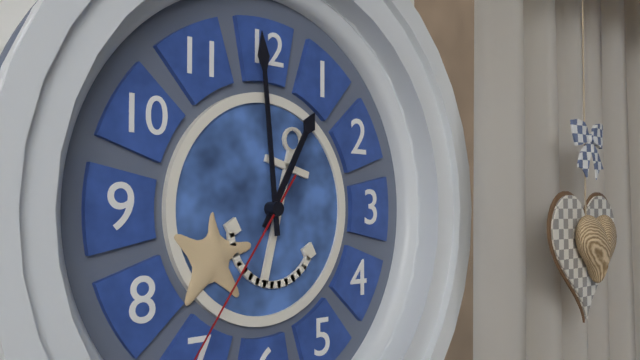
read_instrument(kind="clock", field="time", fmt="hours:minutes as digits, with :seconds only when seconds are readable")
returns 12:59
